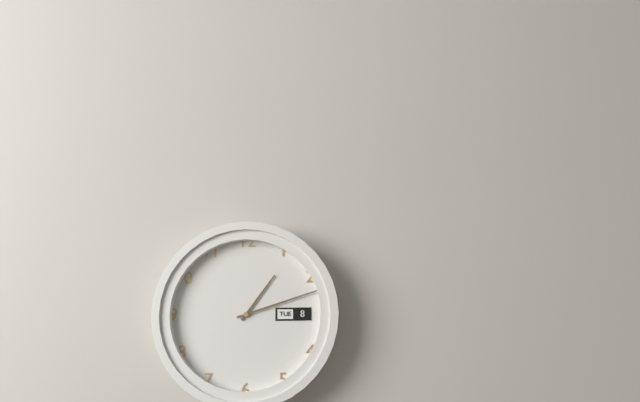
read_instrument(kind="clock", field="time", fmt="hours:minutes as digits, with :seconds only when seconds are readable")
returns 1:12
